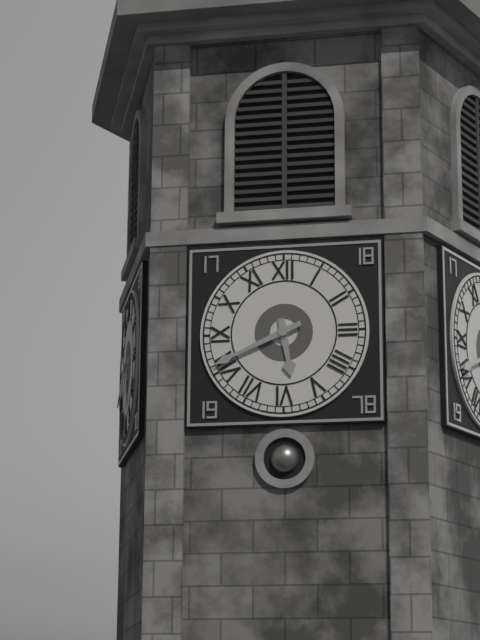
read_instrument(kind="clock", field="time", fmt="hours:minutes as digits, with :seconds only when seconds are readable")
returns 5:41
